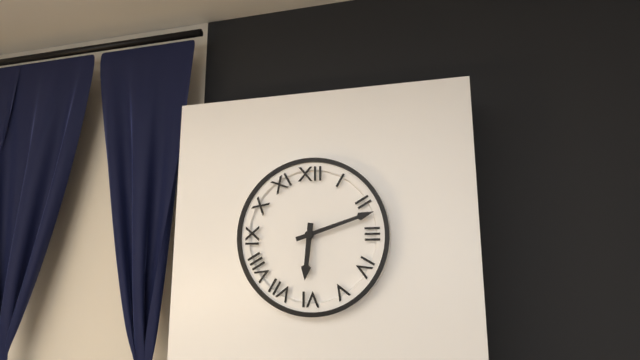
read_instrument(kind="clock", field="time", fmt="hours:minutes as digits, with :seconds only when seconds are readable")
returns 6:12
